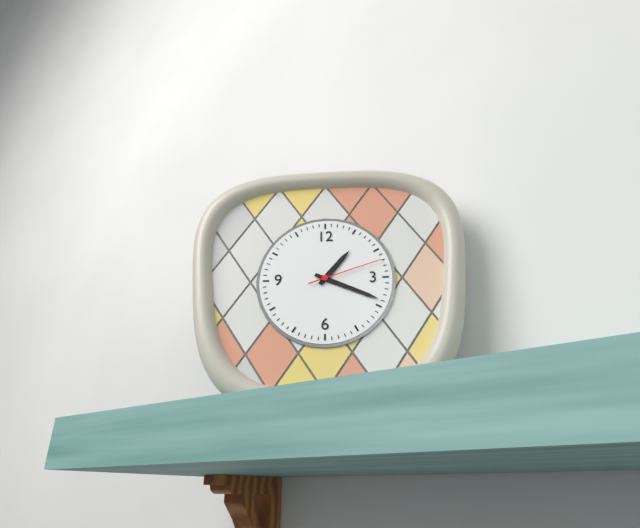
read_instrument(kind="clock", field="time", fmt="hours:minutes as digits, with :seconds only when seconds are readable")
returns 1:19:12
